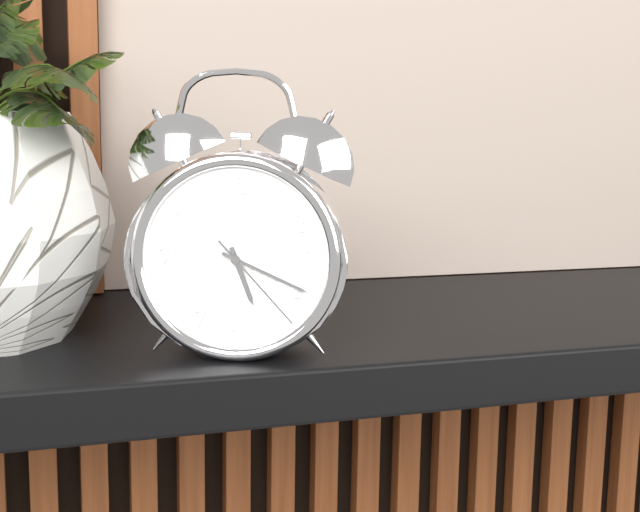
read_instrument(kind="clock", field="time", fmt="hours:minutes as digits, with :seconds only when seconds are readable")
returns 5:19:23
